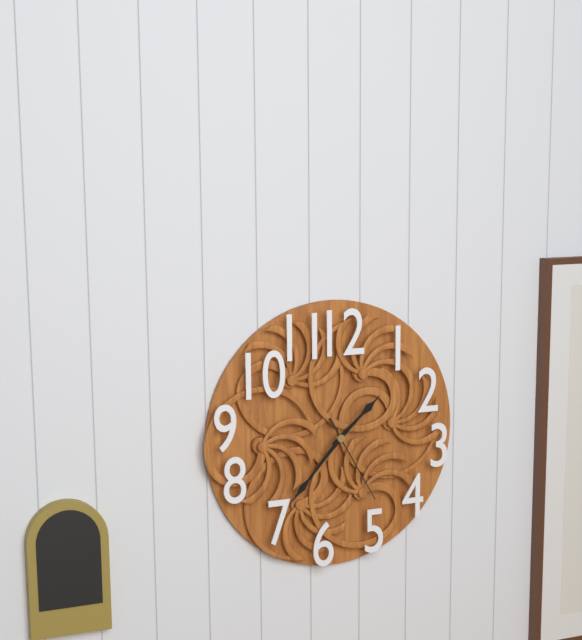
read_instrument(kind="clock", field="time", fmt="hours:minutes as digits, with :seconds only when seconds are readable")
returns 1:37:25
